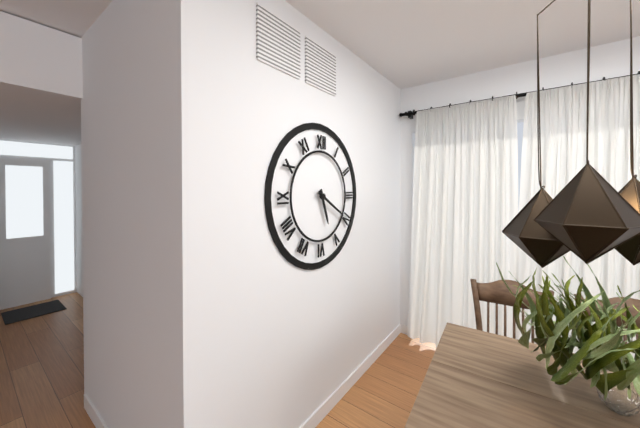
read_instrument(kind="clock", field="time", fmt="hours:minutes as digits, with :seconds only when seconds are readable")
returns 5:20
